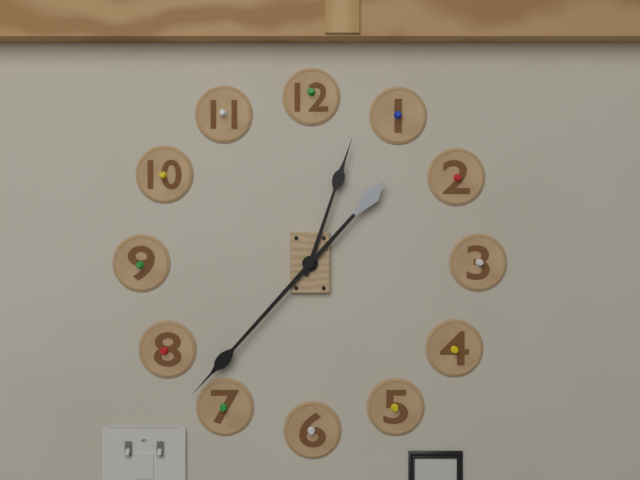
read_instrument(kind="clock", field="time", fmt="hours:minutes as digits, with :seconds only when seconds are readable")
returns 12:37
